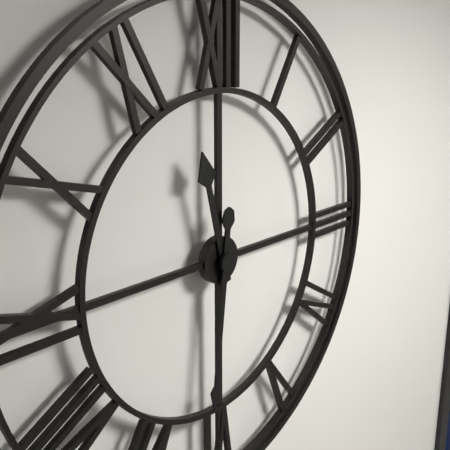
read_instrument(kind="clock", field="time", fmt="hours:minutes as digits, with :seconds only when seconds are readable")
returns 11:31
